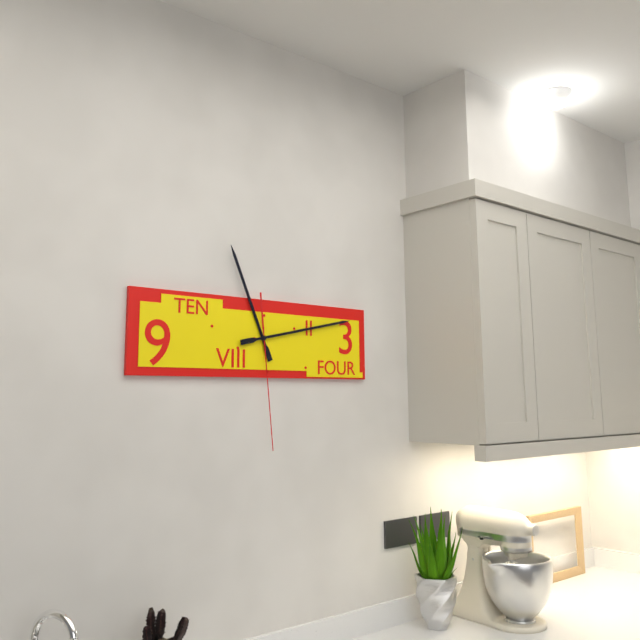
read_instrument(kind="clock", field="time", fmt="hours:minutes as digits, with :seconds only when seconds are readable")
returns 11:13:29
